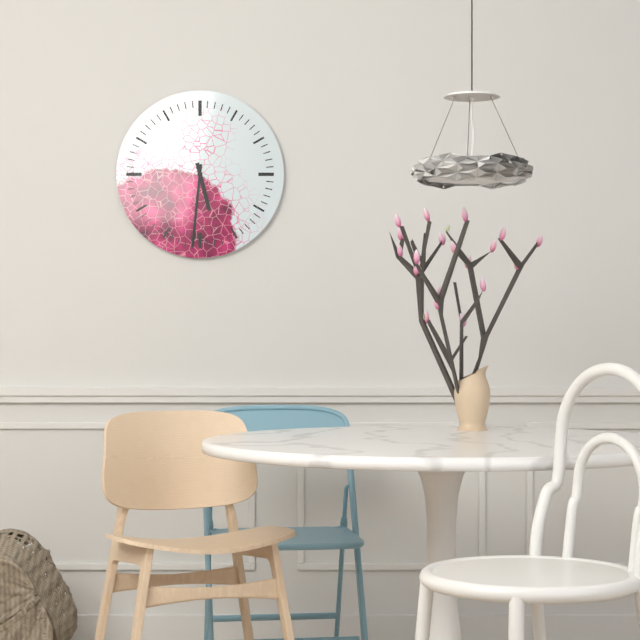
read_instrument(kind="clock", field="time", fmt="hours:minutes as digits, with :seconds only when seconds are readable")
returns 5:31
